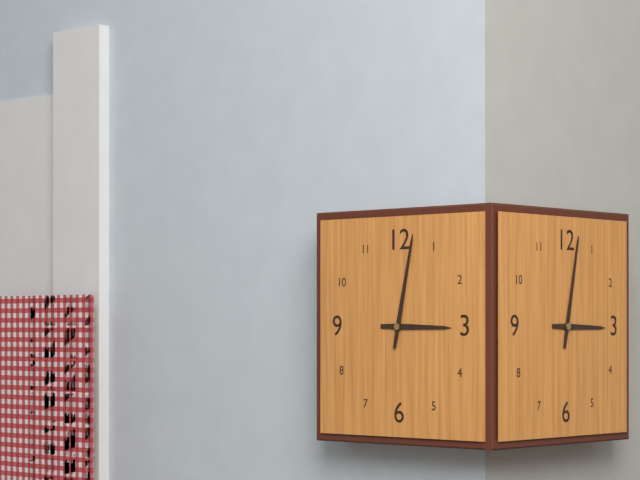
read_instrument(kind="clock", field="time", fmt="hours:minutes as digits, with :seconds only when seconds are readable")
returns 3:02
